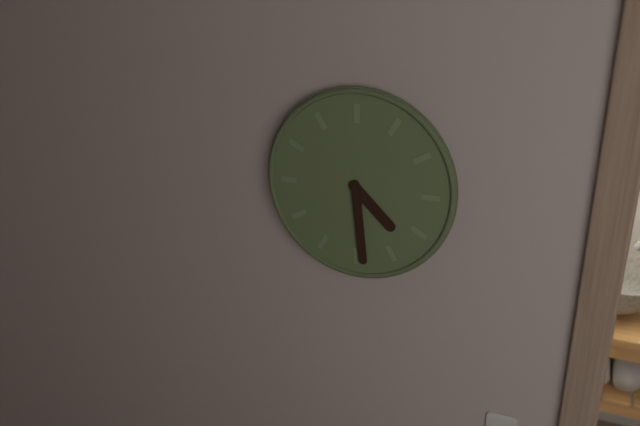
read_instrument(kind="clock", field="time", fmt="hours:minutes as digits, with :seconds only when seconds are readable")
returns 4:29
